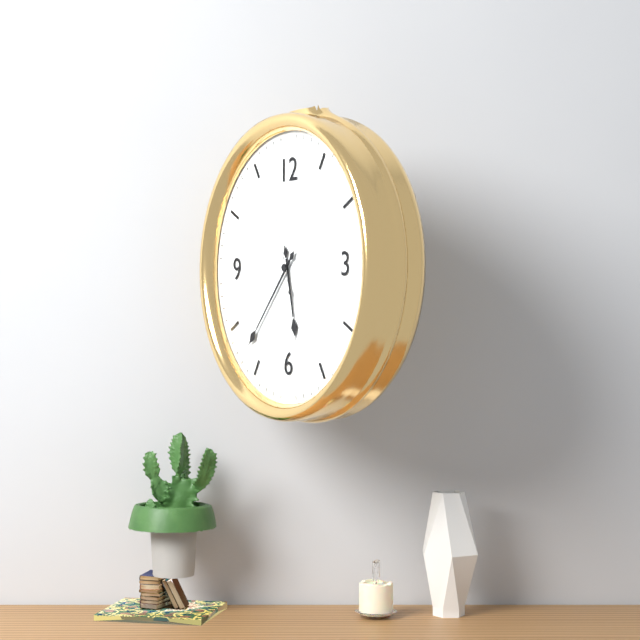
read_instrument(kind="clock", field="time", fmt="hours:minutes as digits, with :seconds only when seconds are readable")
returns 5:37:57
